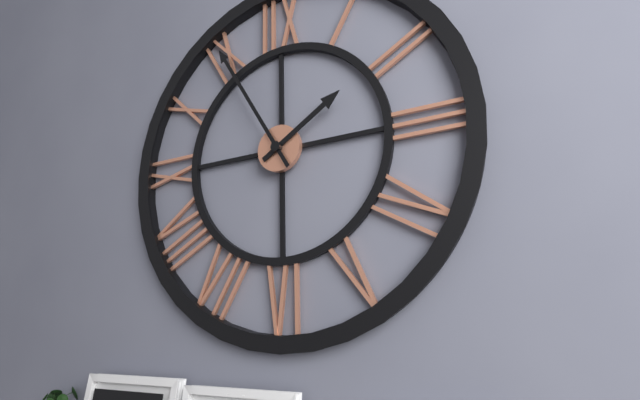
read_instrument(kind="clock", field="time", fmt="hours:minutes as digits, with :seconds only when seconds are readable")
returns 1:55
